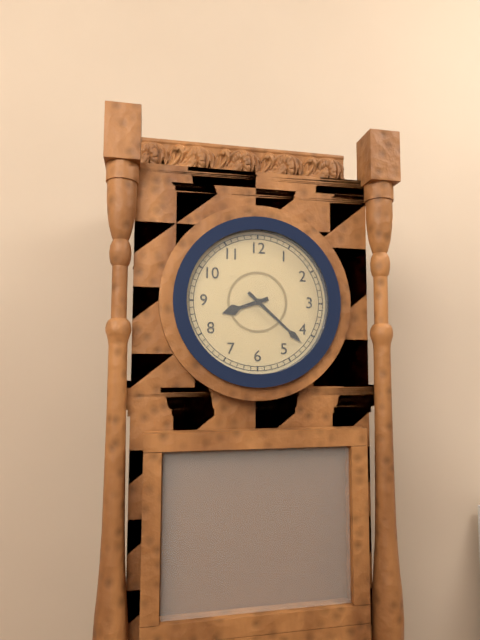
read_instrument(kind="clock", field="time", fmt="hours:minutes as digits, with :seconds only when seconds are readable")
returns 8:22
